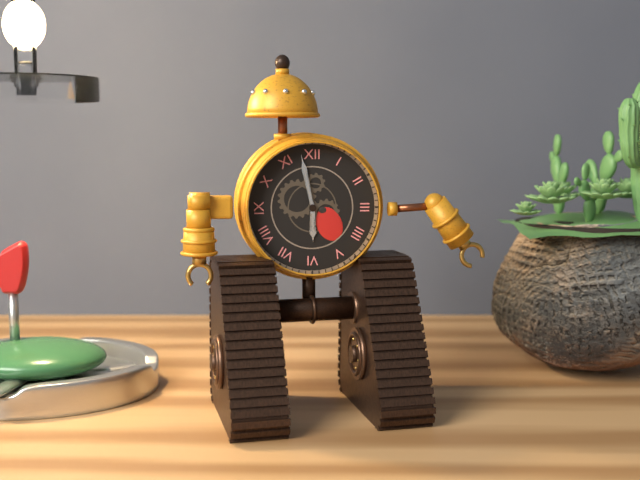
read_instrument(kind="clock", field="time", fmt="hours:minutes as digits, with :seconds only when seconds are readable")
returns 5:58
